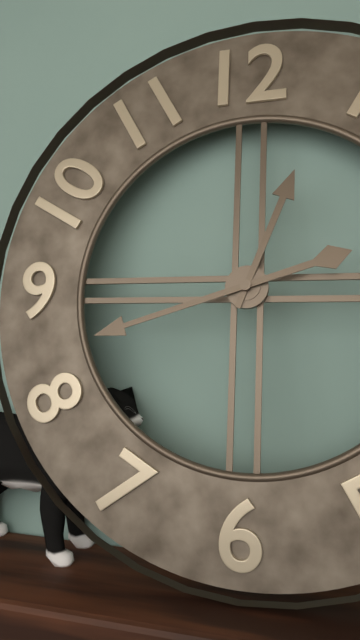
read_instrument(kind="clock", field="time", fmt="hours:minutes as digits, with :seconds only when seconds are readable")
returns 12:42
